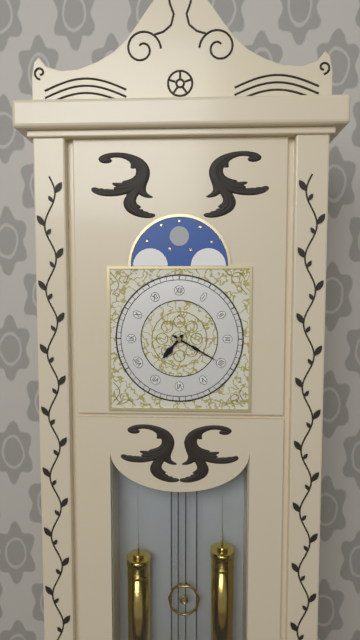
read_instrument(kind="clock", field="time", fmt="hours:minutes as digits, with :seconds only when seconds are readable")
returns 7:20
